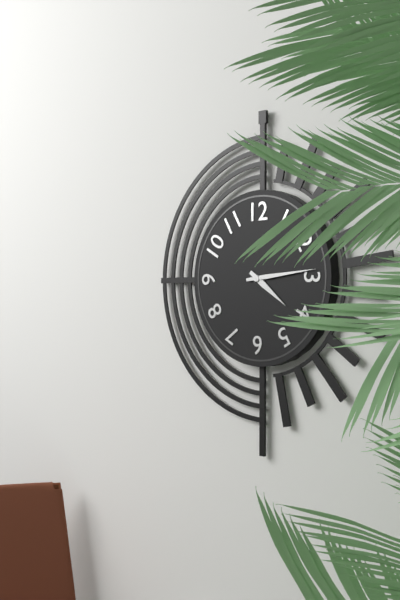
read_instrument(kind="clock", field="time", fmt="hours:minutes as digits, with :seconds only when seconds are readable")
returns 4:14
